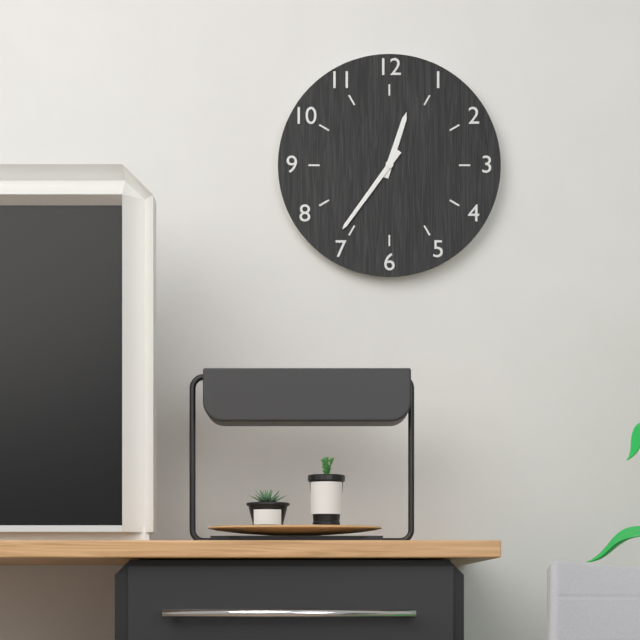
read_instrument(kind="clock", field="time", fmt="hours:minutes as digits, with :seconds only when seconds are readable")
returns 12:36
